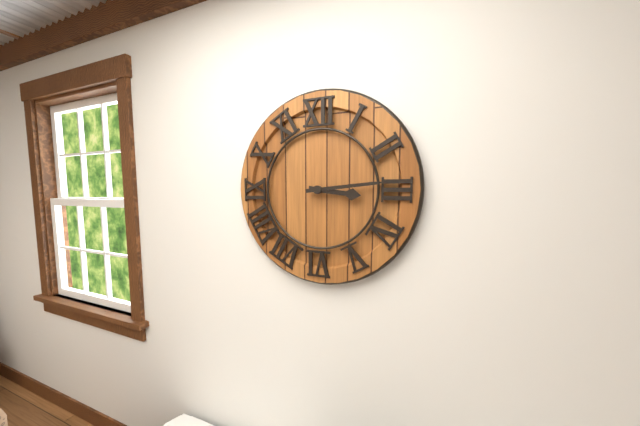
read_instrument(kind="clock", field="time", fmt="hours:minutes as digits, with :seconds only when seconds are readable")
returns 3:14
